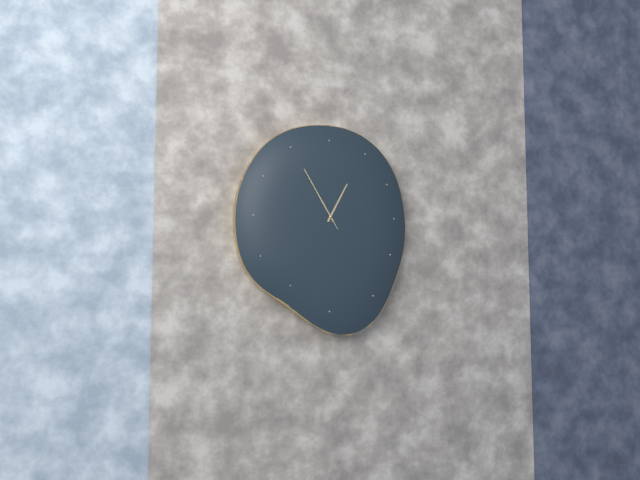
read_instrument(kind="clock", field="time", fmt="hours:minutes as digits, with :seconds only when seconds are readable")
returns 12:55:55
